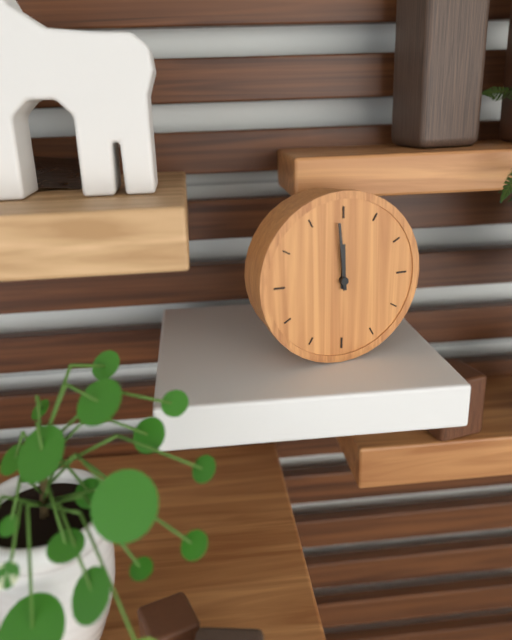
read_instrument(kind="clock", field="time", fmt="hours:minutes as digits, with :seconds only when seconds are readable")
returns 11:59
